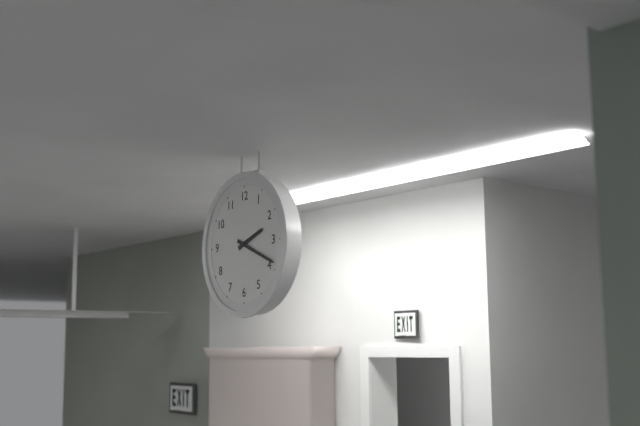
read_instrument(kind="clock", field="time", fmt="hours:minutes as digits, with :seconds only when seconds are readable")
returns 2:19
